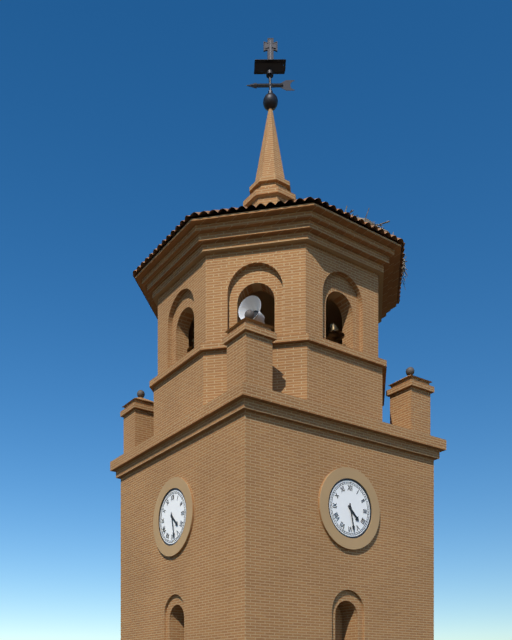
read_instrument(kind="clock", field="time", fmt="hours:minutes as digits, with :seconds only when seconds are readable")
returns 4:28
